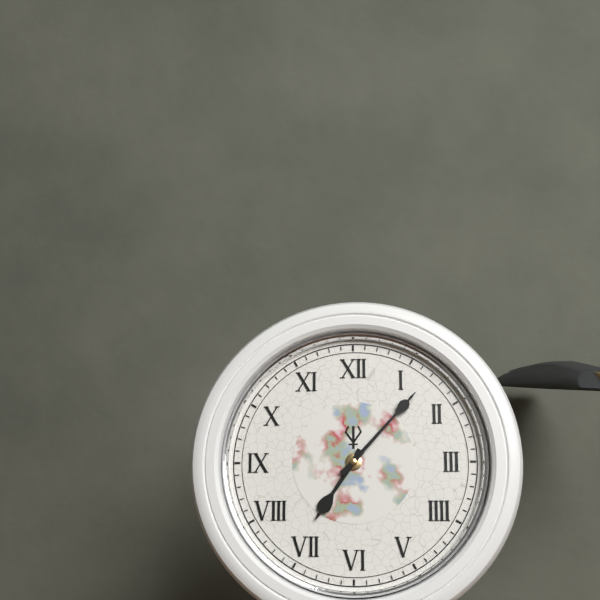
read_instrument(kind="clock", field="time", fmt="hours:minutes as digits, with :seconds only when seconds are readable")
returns 7:07
